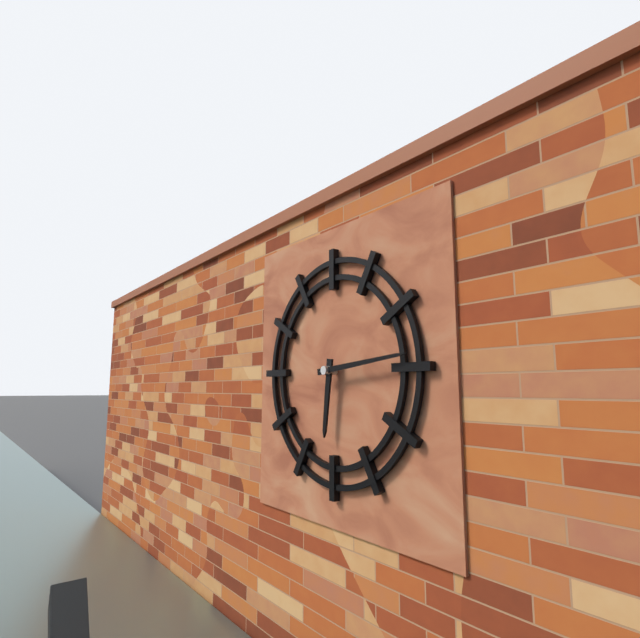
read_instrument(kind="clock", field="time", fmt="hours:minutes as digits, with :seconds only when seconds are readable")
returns 6:14
